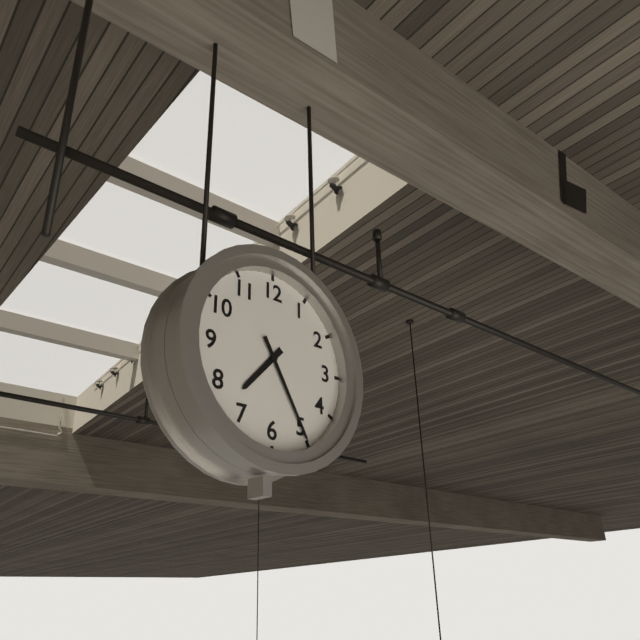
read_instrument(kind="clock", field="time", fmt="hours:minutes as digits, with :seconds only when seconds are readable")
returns 7:25
